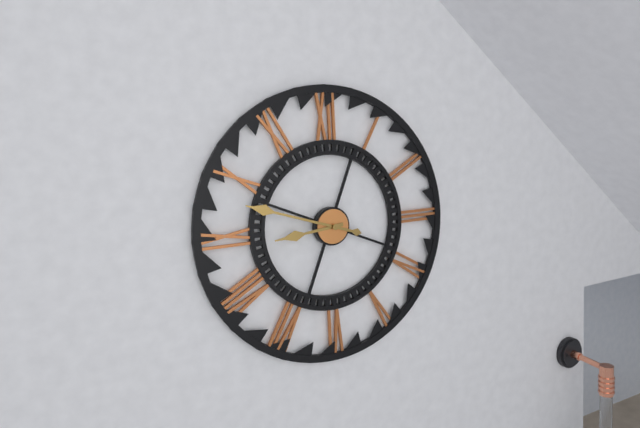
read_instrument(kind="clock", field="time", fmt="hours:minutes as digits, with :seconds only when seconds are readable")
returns 8:48
